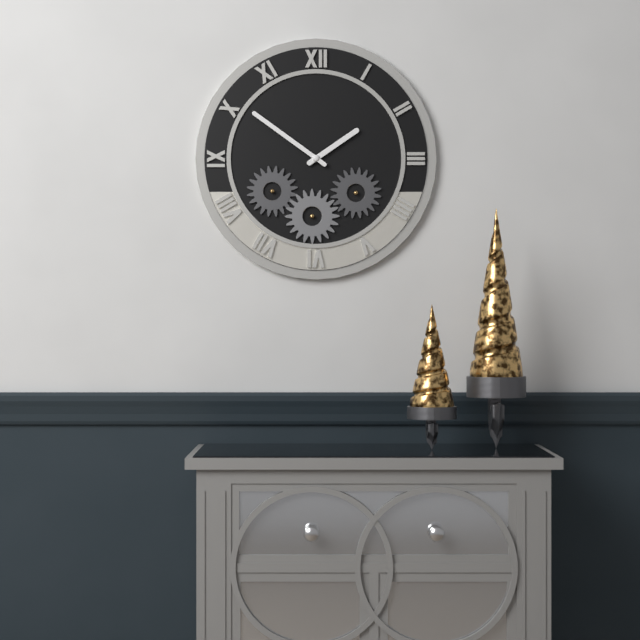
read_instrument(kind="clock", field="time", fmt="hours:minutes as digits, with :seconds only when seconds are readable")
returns 1:51
